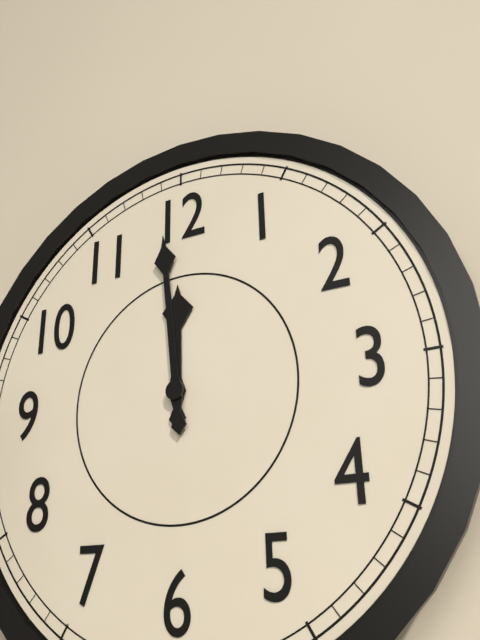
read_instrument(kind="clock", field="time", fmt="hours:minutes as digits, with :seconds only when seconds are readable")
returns 11:59
